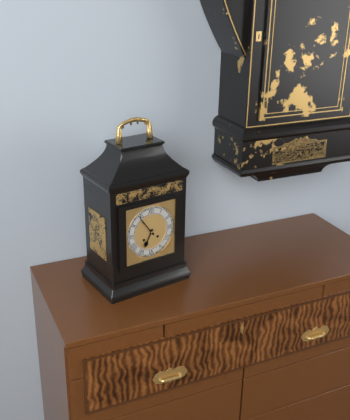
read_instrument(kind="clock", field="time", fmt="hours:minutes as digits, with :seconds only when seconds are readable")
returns 6:54
